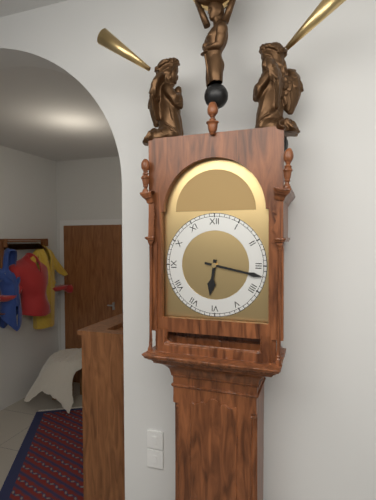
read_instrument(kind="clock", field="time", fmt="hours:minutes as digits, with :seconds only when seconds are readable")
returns 6:17
